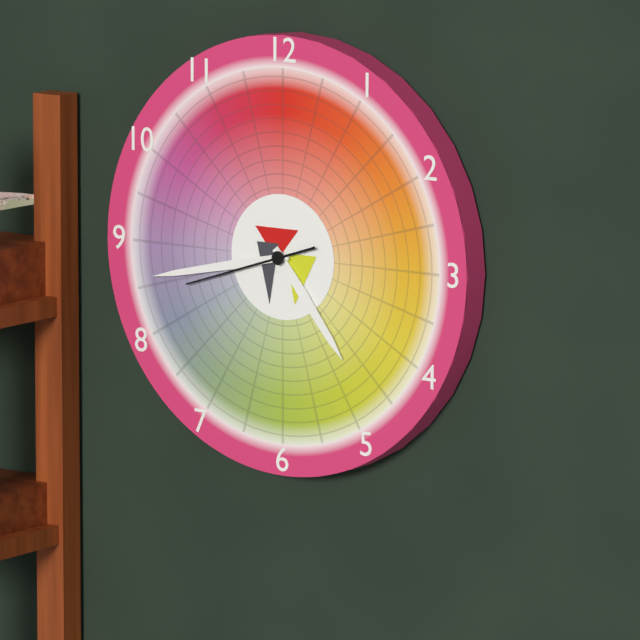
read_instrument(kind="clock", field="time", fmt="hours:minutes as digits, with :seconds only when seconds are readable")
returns 4:43:42
